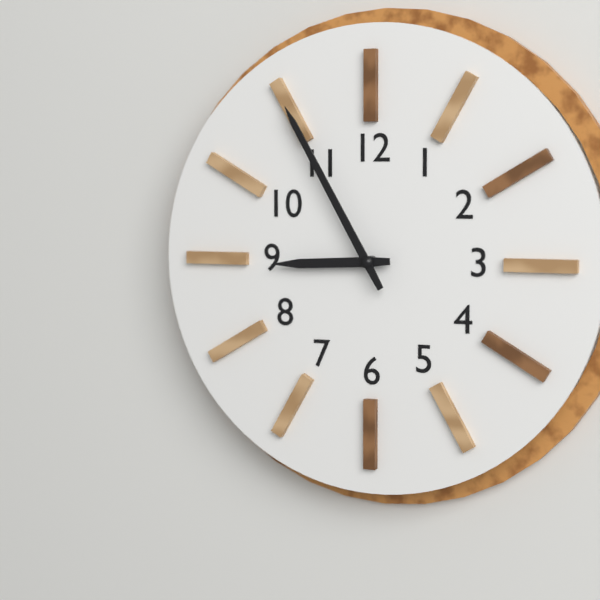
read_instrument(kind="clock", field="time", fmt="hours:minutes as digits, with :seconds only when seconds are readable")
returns 8:55
